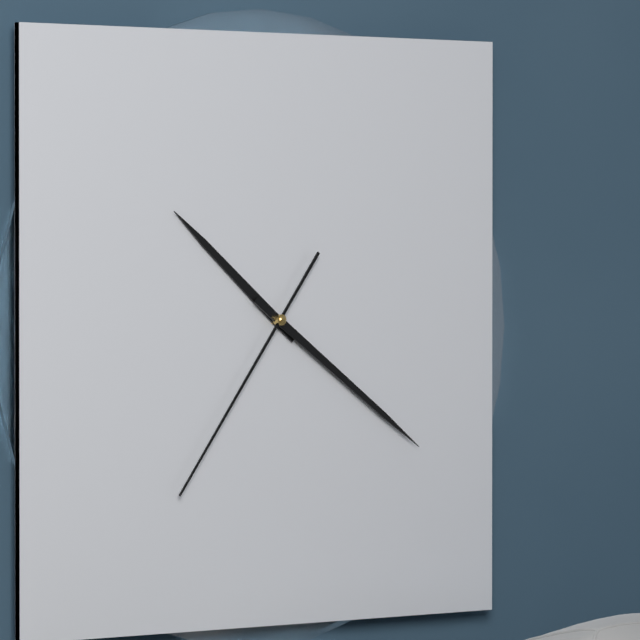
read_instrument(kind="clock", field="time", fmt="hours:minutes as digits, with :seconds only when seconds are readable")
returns 10:21:36
